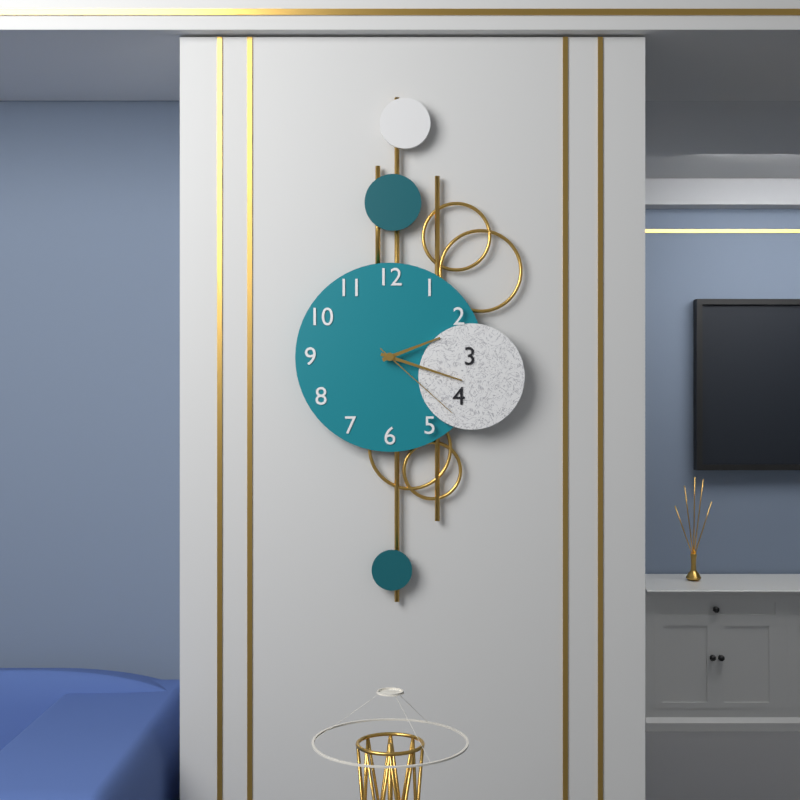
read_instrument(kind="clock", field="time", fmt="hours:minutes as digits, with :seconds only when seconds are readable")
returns 2:18:22
